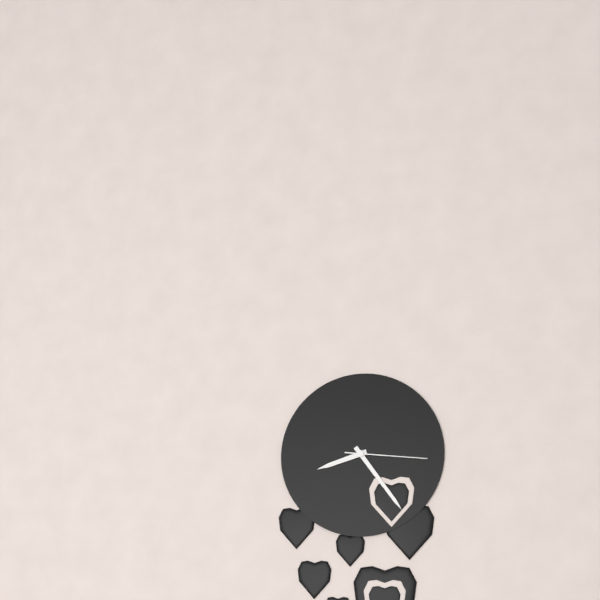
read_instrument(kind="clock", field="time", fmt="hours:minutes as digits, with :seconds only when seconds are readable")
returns 8:24:16
